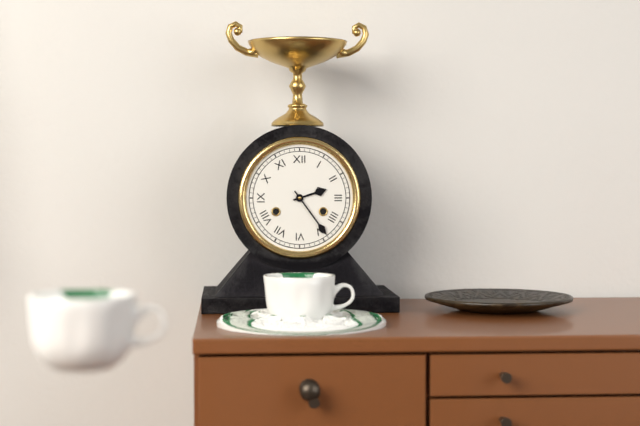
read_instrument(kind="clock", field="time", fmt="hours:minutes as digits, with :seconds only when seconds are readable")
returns 2:24
